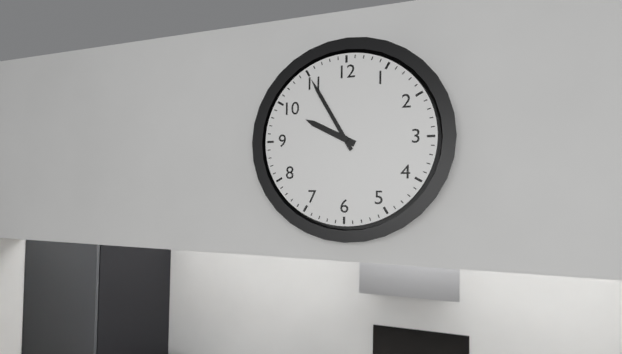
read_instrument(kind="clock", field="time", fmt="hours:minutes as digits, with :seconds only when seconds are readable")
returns 9:55
